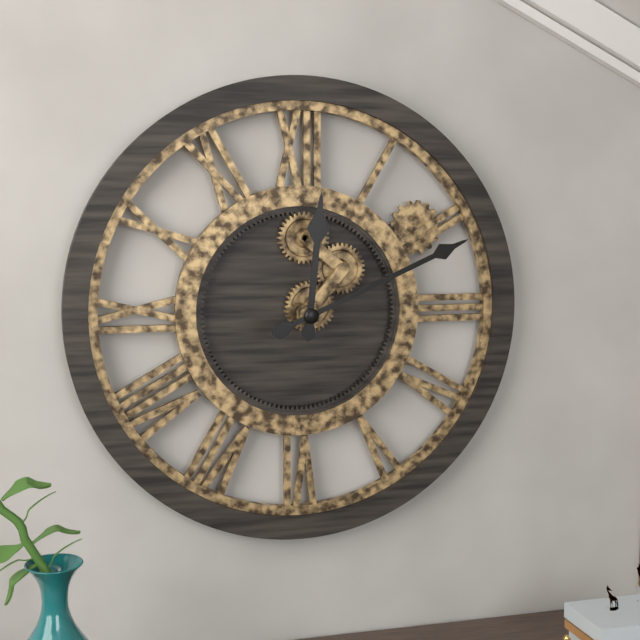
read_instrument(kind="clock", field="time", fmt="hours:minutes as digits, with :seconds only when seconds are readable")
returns 12:11
